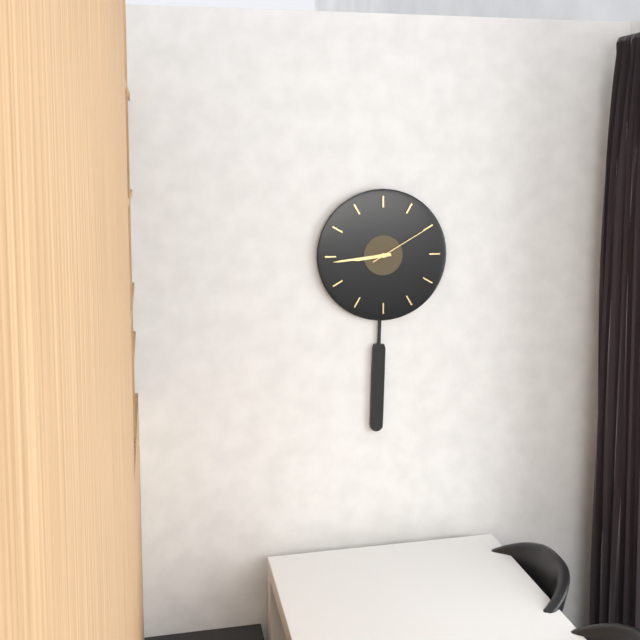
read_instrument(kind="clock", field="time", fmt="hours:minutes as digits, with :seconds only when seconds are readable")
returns 8:44:10
